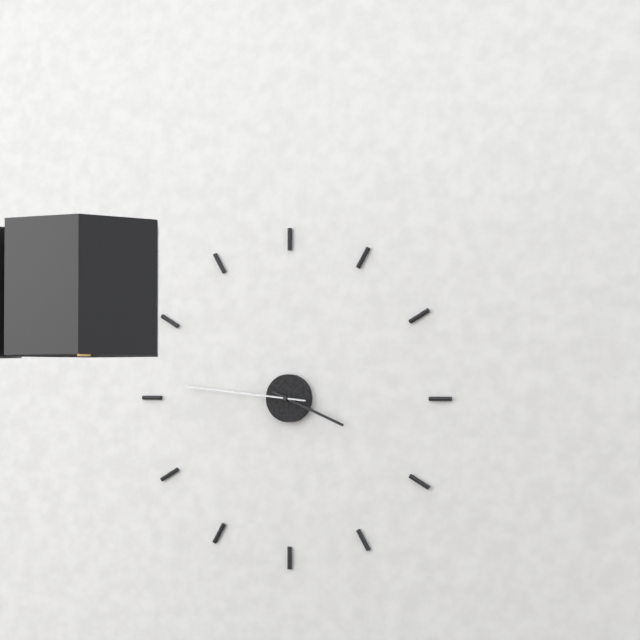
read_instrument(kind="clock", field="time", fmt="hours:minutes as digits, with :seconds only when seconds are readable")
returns 3:46
